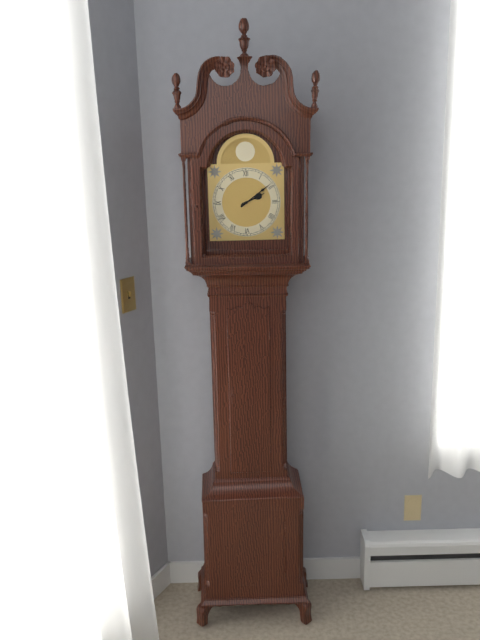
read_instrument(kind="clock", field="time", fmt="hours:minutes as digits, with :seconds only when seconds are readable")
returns 2:09
